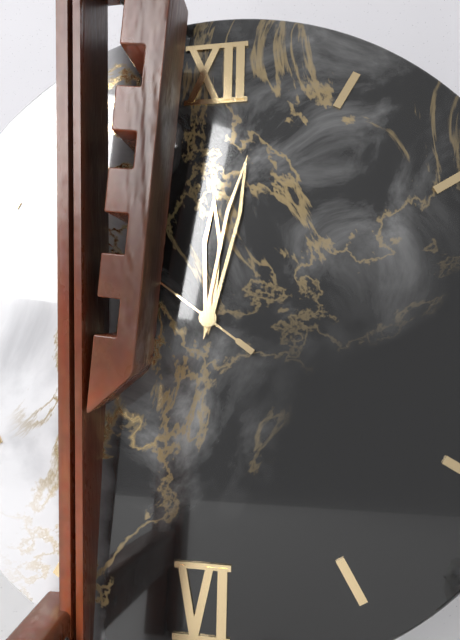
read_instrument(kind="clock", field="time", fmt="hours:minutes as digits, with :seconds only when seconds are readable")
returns 12:02
